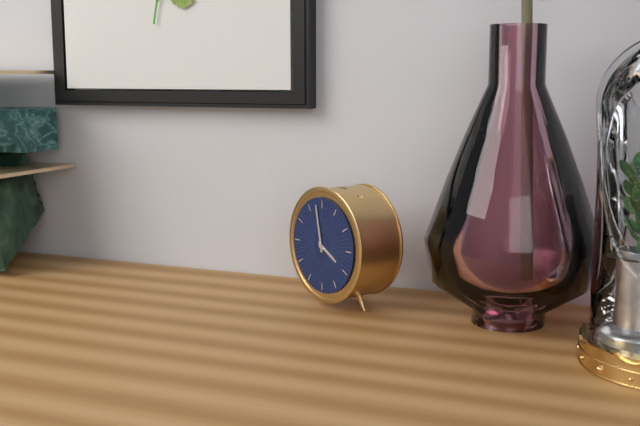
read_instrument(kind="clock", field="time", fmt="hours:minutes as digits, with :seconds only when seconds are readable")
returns 3:58
